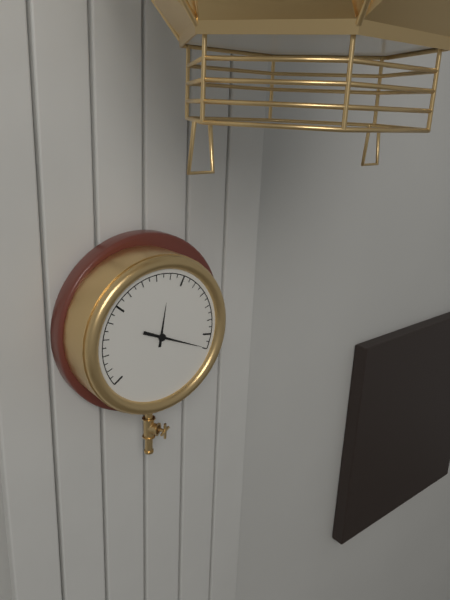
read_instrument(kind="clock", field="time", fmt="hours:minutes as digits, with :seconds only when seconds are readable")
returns 12:19
